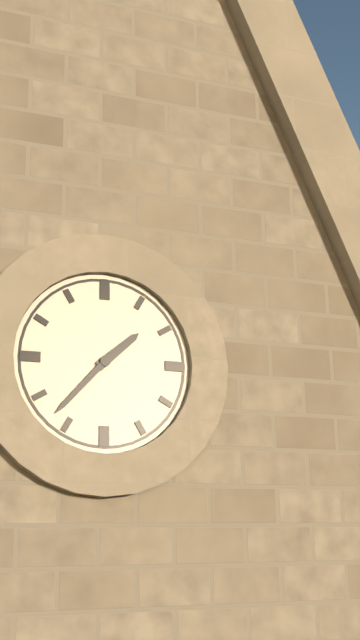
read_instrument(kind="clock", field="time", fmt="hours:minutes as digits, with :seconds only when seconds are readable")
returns 1:37
